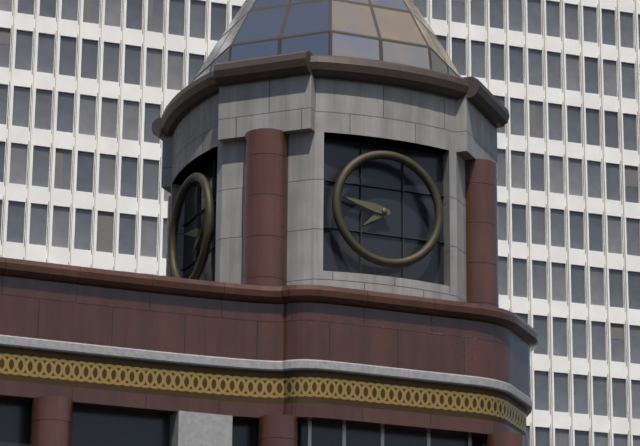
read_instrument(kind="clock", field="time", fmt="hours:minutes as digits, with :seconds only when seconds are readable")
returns 7:47
